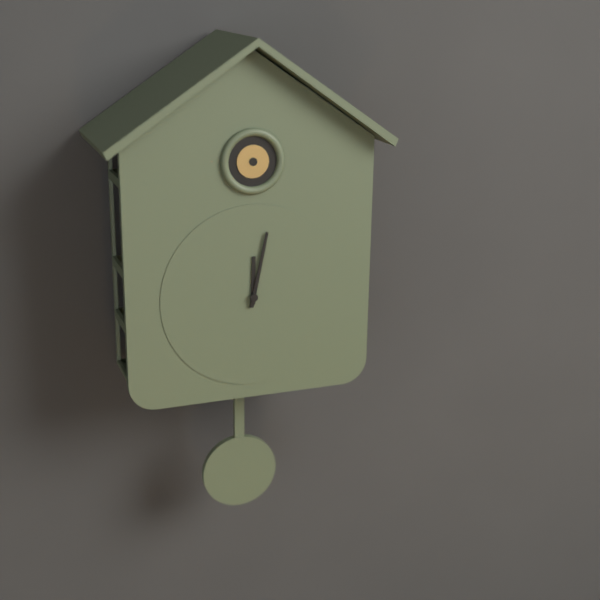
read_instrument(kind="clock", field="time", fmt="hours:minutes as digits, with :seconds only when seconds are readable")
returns 12:02
